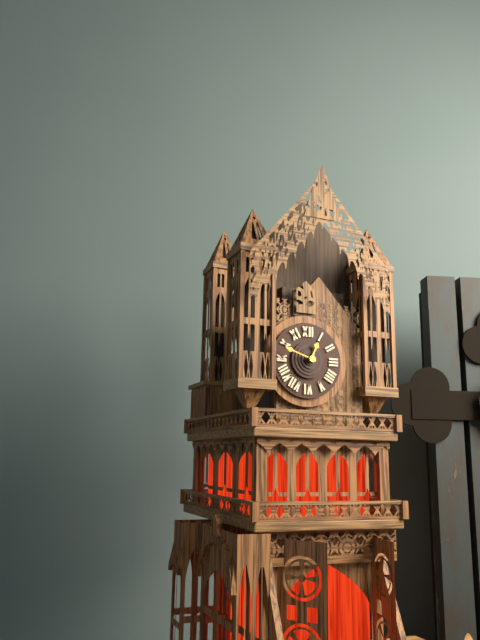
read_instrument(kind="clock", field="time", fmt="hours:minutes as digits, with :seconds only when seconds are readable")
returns 12:48
